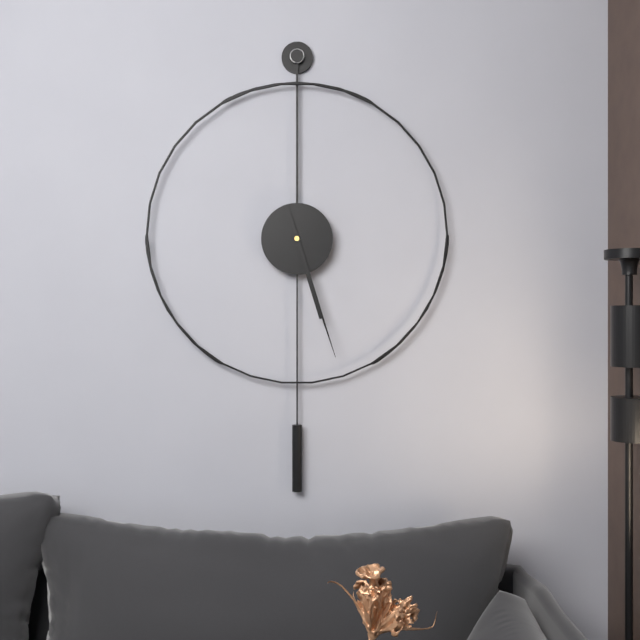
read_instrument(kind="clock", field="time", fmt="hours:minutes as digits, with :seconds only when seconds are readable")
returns 5:27
